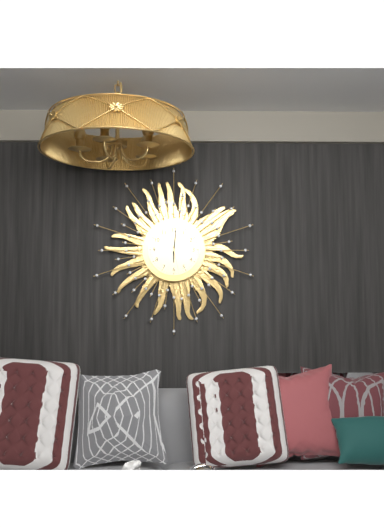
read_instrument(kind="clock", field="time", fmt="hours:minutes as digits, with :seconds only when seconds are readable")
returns 6:01
